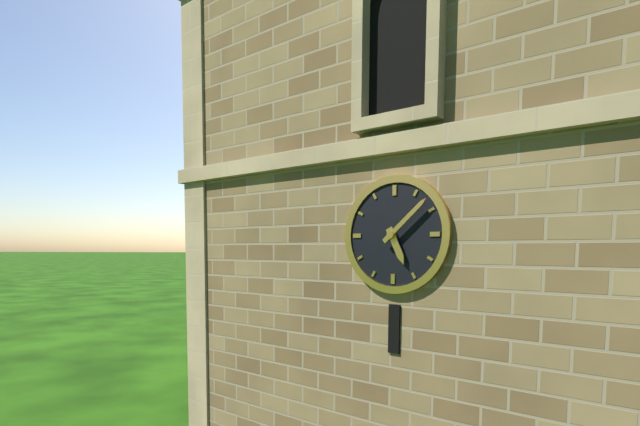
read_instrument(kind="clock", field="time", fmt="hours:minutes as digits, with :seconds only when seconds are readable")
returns 5:08
